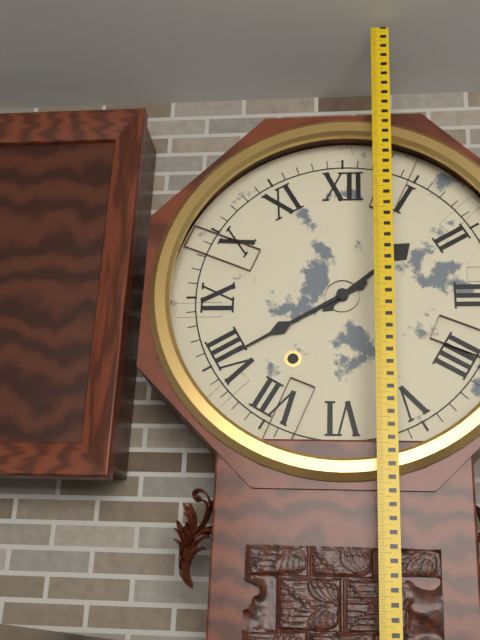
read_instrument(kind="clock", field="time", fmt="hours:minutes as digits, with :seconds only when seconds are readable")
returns 1:40
